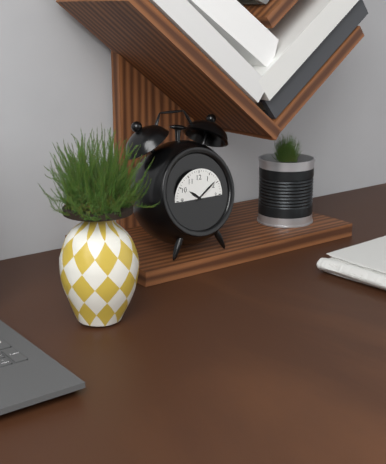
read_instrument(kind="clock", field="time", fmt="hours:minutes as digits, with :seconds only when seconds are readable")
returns 10:09
